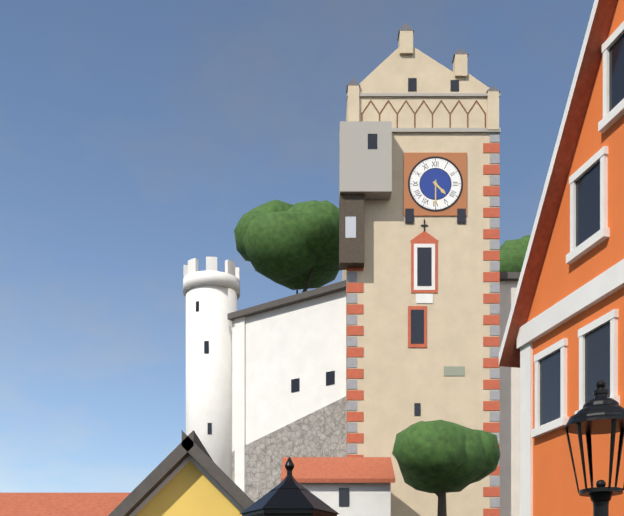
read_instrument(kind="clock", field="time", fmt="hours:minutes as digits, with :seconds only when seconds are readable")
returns 4:30
